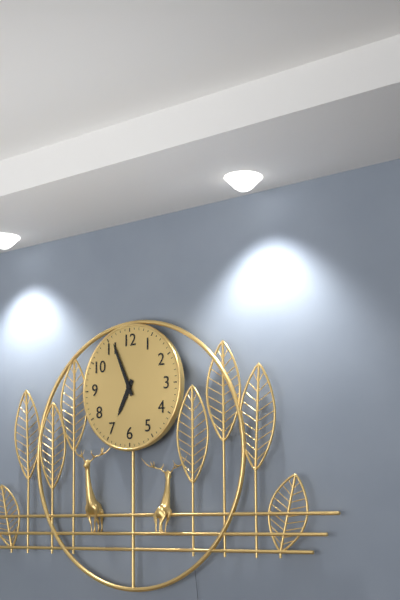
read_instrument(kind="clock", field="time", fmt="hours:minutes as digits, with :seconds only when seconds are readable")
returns 6:56
